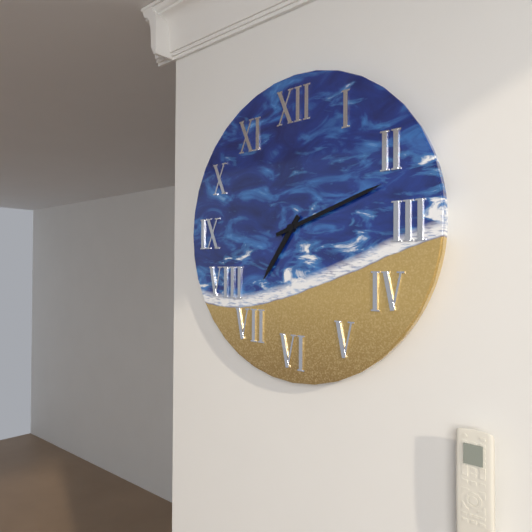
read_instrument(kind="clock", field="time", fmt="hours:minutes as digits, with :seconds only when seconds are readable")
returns 7:12
